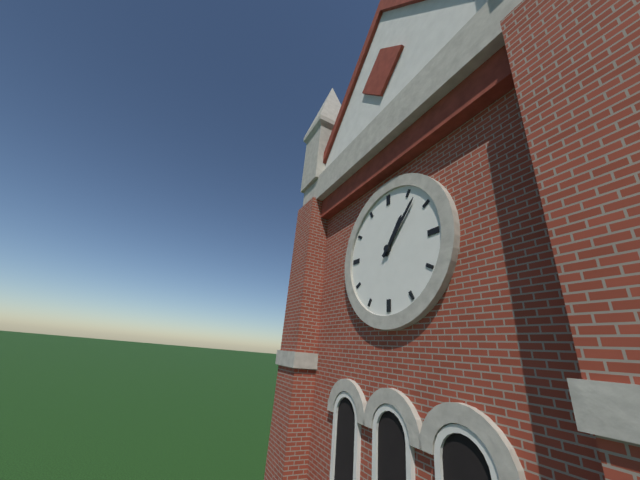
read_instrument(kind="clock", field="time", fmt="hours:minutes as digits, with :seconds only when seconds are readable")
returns 1:07
